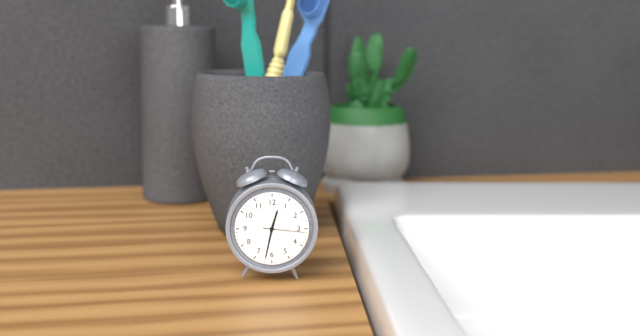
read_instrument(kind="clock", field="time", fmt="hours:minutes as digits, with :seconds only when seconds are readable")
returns 12:32
